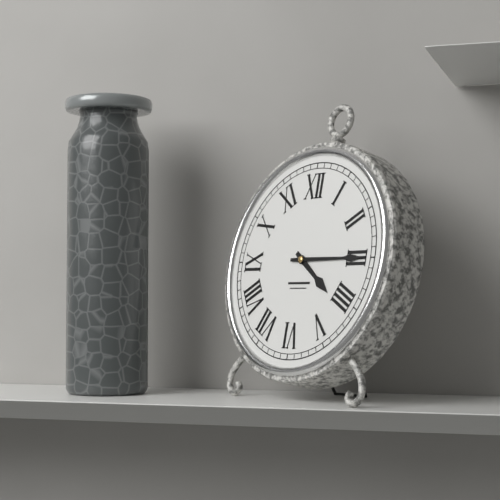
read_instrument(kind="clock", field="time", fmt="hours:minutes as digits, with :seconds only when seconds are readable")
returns 4:15
